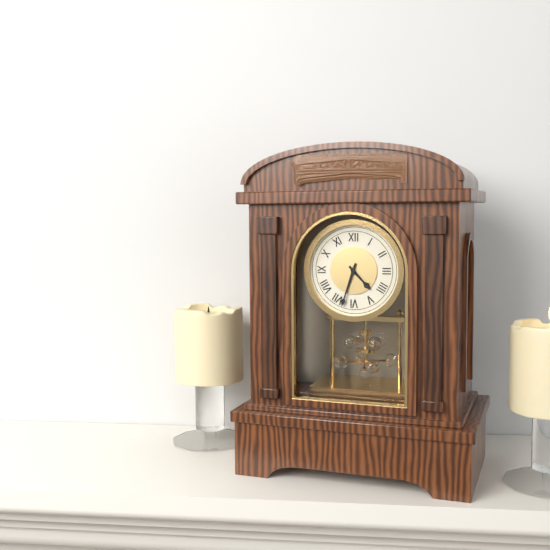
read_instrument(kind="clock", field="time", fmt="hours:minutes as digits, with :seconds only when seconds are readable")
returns 4:33
